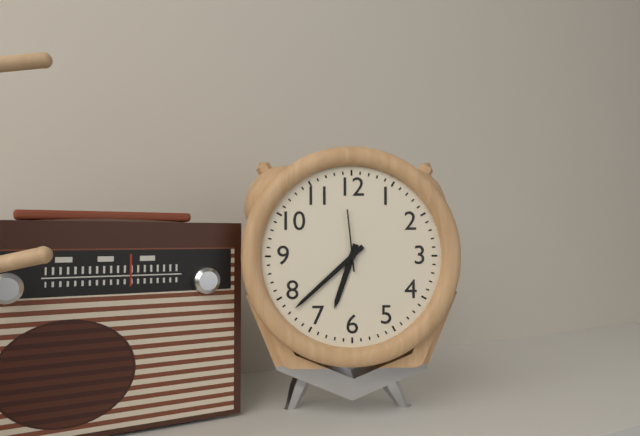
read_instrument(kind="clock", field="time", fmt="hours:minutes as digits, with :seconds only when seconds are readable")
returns 6:38:59
